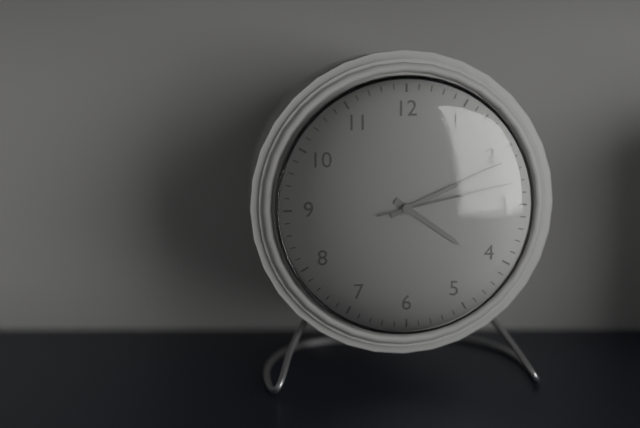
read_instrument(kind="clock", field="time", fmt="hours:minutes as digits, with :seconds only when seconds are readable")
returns 4:11:13
